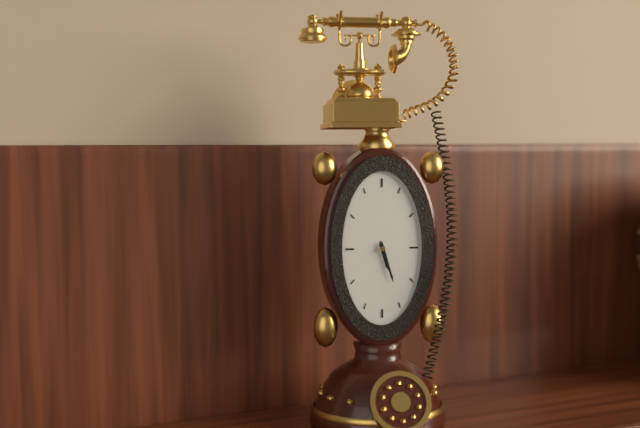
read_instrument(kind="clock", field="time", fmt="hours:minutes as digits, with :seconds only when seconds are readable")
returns 5:27
